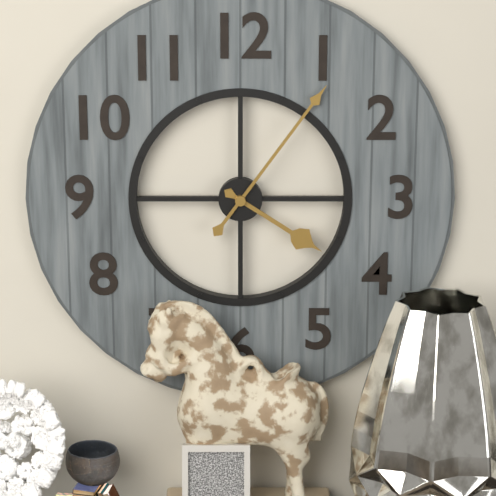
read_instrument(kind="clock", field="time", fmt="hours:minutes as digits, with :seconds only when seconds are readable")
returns 4:06
